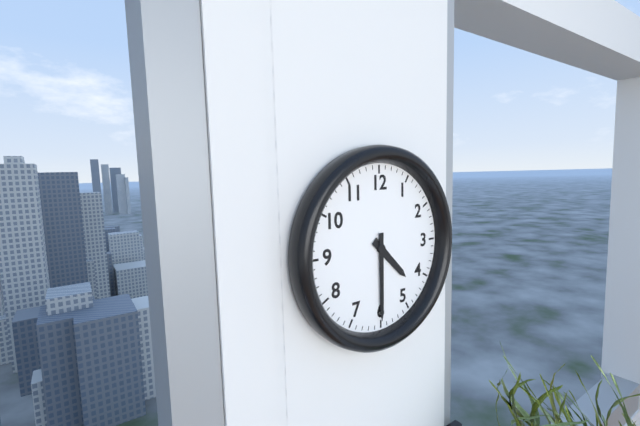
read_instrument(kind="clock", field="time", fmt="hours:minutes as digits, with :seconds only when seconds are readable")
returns 4:30
